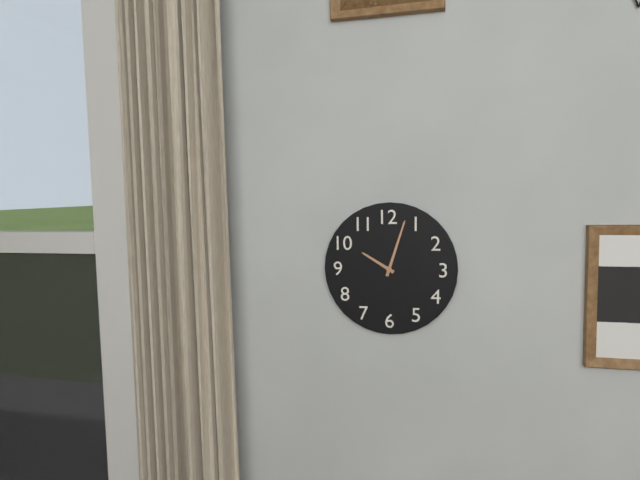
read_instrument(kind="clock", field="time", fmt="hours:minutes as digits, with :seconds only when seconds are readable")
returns 10:03
